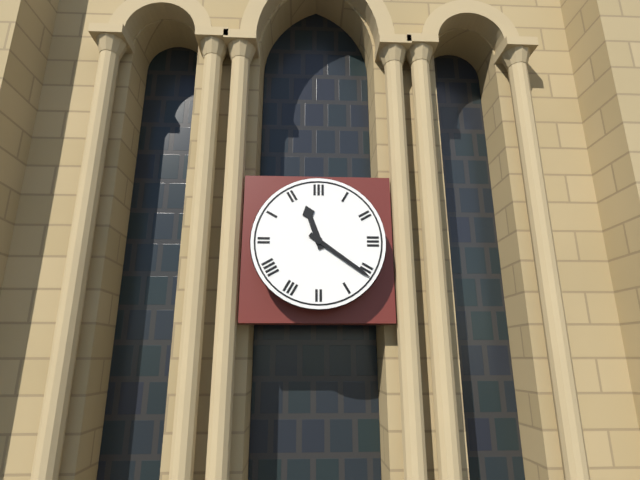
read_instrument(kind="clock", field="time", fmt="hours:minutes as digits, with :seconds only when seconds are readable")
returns 11:21
